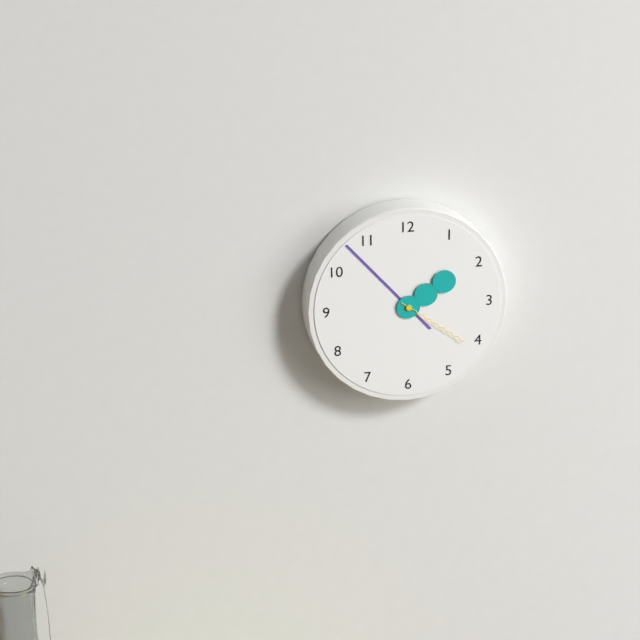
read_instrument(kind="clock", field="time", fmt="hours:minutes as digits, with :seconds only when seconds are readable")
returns 1:53:21
